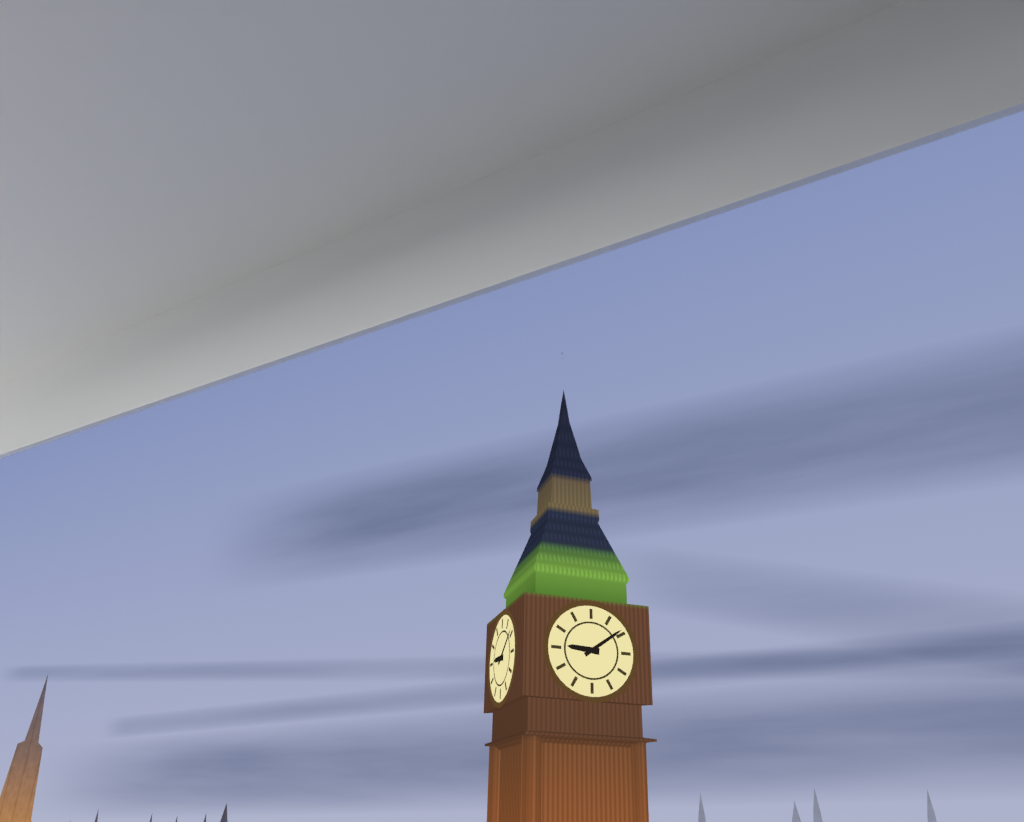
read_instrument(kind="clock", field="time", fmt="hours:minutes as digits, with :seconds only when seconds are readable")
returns 9:09
